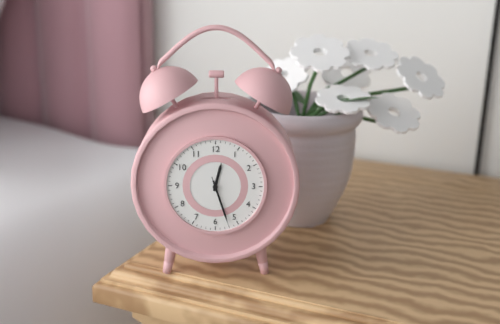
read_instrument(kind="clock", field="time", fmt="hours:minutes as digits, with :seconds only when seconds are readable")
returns 12:27:27
